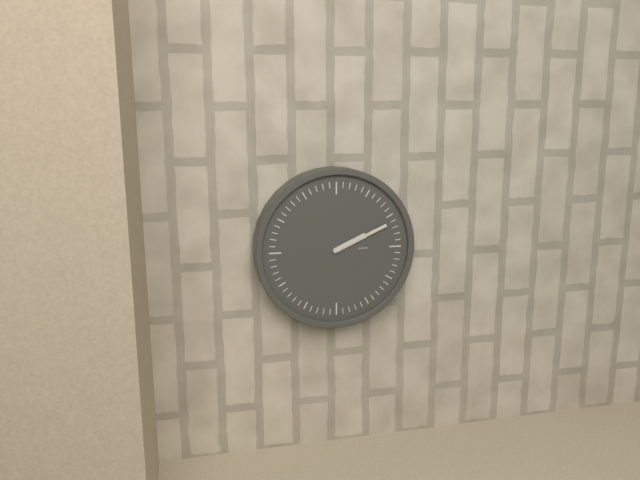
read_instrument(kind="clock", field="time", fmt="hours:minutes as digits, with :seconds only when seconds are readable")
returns 2:11
